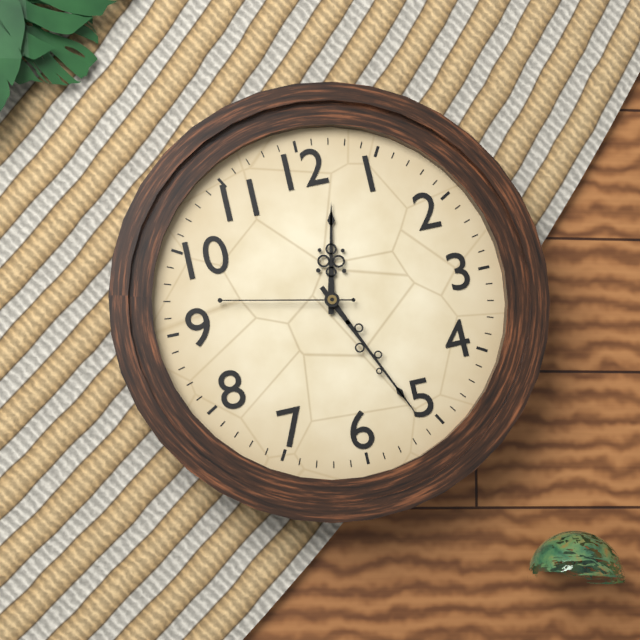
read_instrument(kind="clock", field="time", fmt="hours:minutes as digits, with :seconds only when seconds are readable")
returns 12:26:47
